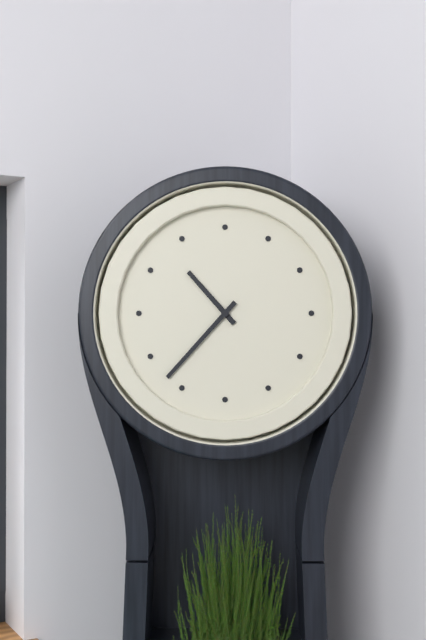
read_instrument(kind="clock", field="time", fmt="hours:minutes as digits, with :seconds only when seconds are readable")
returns 10:37
